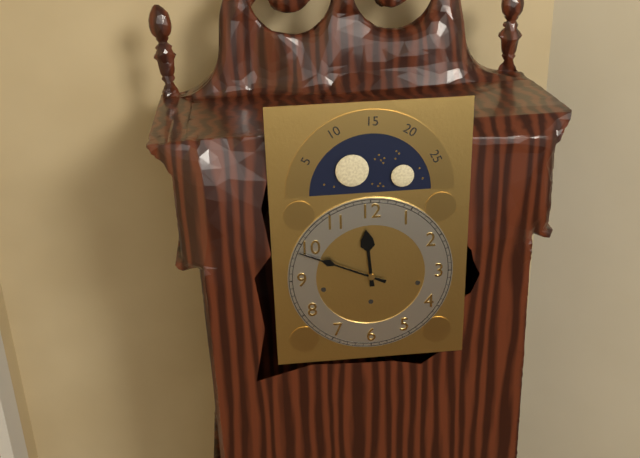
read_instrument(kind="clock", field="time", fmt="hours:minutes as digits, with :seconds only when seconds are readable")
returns 11:49
